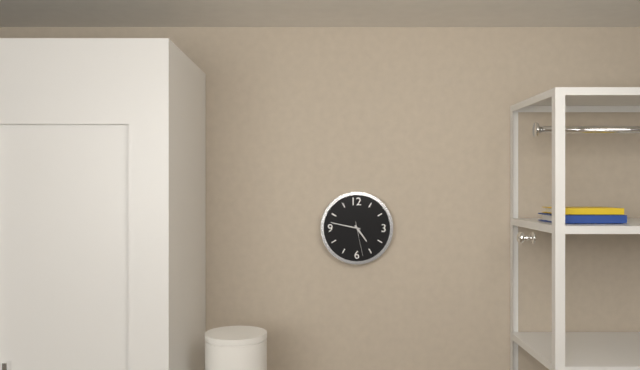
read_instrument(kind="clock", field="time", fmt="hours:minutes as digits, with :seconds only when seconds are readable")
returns 4:47
